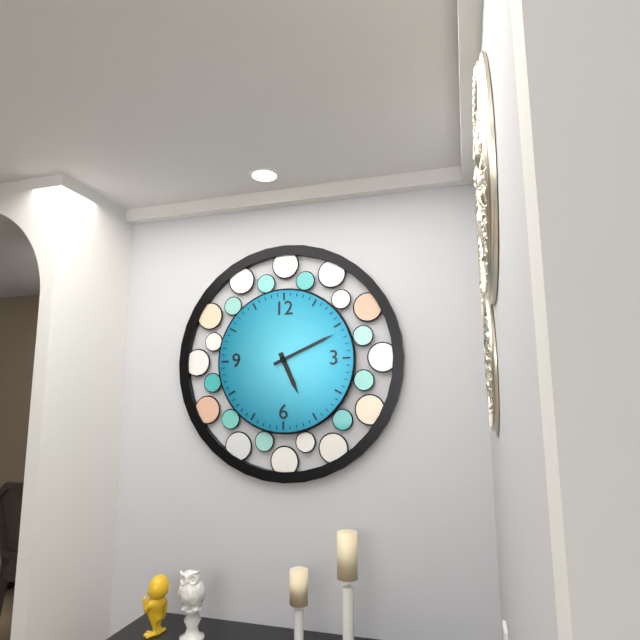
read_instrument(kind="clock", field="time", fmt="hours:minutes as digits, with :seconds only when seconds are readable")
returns 5:11
